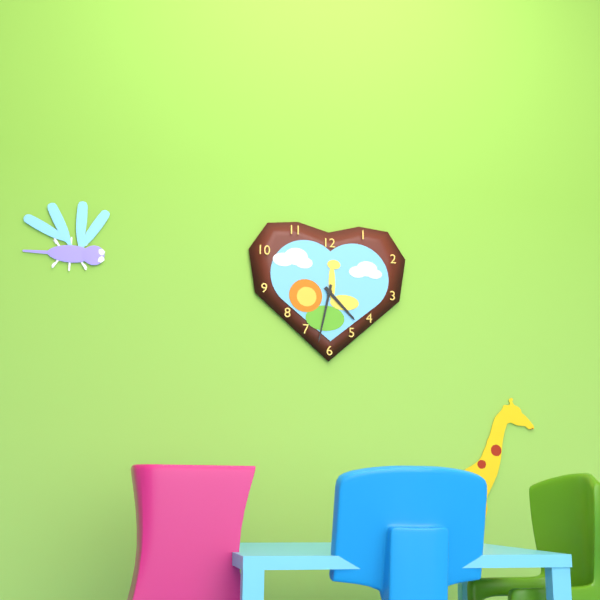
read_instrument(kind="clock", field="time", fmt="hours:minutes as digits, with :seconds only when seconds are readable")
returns 4:32
